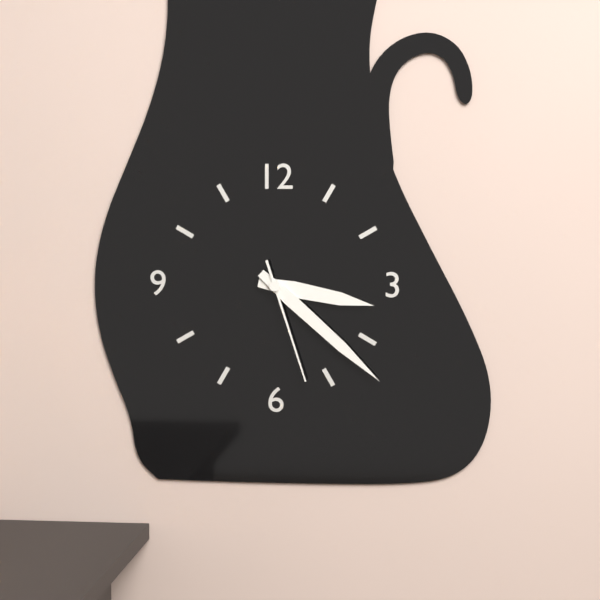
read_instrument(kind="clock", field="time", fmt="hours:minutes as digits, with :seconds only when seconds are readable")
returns 3:22:27
